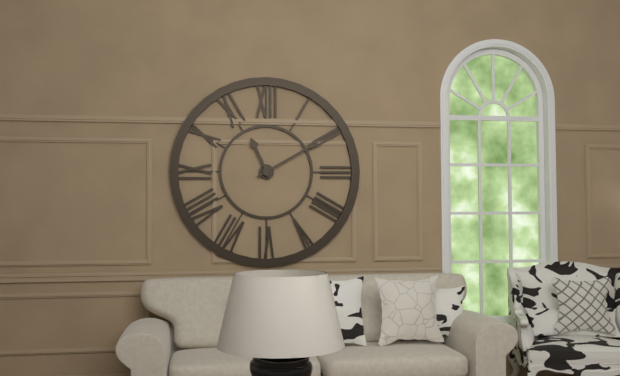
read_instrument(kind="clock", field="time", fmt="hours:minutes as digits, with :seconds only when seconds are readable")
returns 11:10
